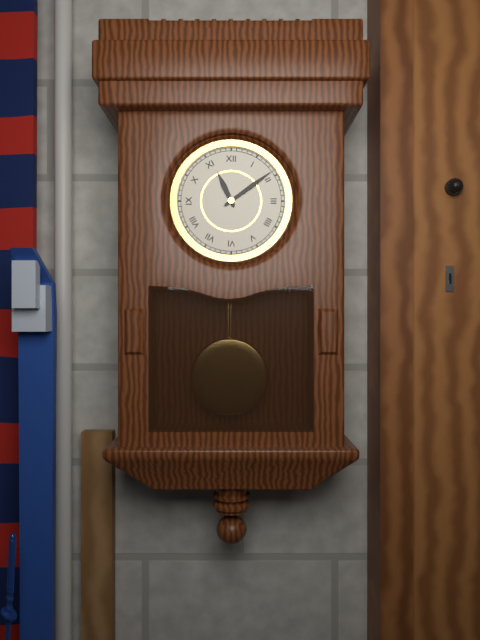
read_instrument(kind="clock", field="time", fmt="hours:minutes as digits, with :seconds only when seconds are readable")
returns 11:09
